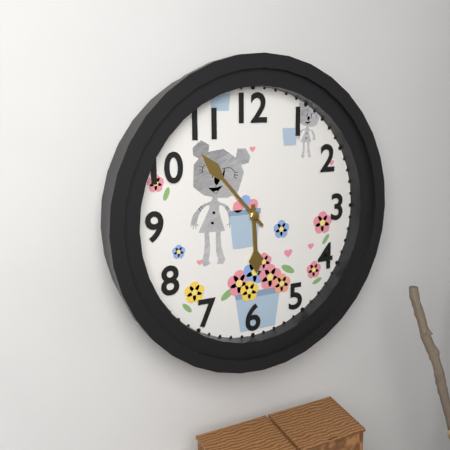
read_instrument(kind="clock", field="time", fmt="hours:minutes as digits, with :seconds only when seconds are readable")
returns 5:53
